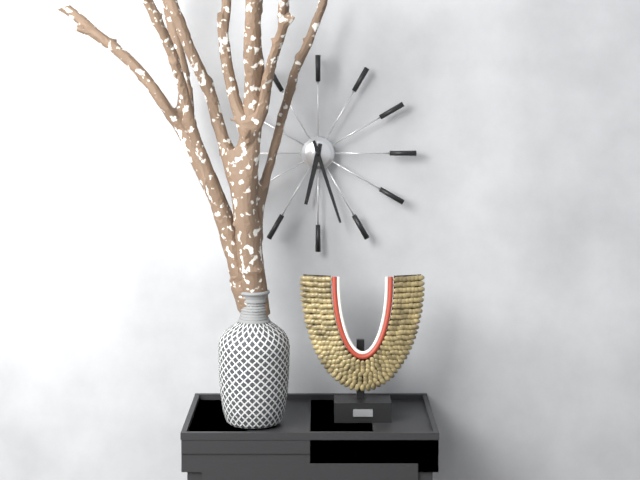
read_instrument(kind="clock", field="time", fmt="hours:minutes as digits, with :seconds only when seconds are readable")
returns 6:27
